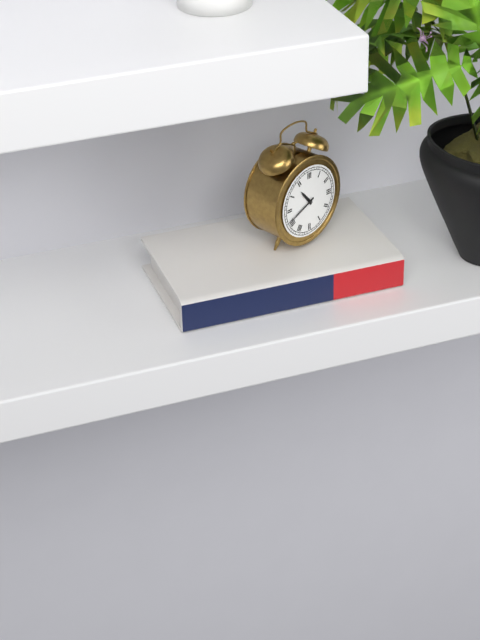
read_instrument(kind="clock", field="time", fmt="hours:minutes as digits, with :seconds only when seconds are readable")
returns 10:41
